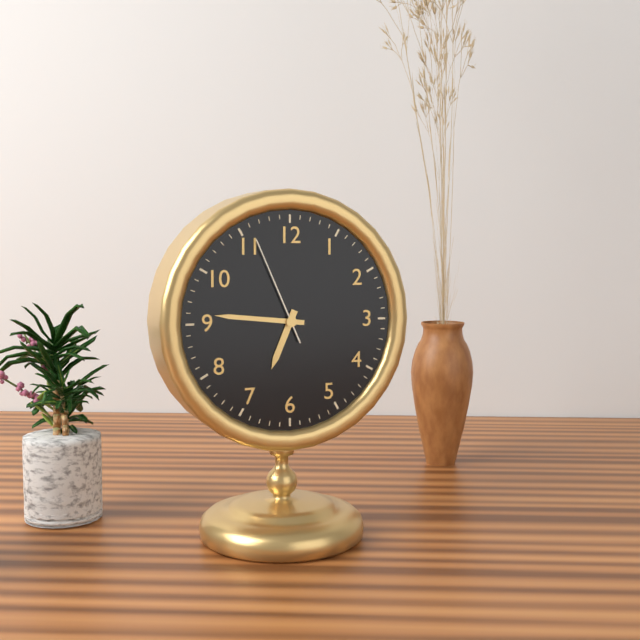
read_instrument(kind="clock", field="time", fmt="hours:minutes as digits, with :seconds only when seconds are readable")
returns 6:46:56
